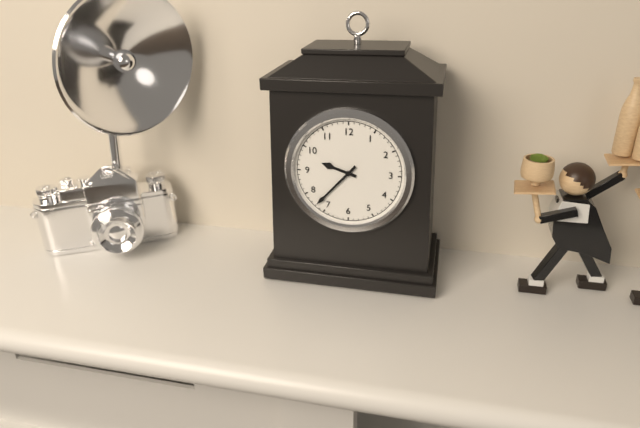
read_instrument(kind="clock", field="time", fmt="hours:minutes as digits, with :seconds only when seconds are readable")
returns 9:37
